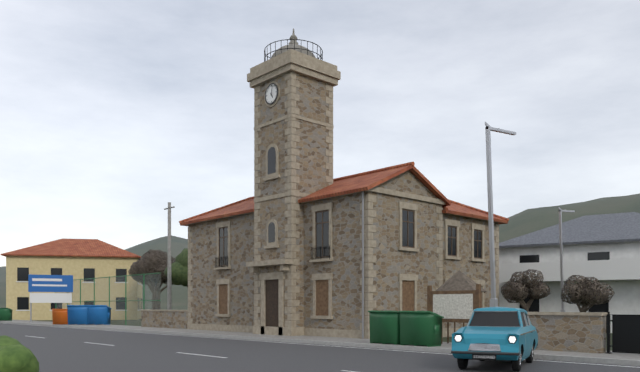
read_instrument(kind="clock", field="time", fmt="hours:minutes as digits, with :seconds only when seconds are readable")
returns 5:03
